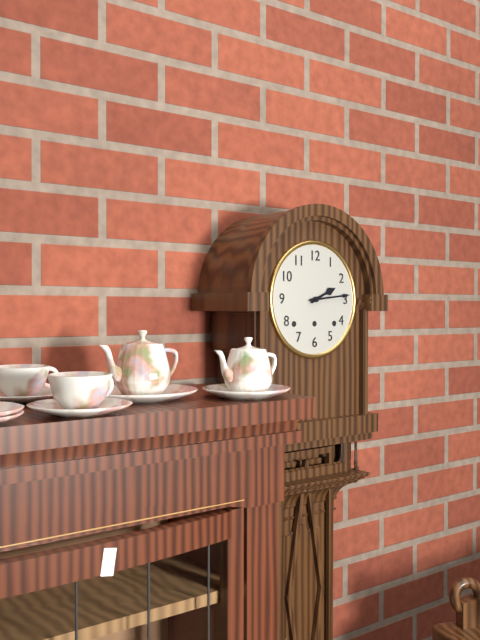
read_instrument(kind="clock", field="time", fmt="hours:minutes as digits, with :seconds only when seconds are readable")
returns 2:14
